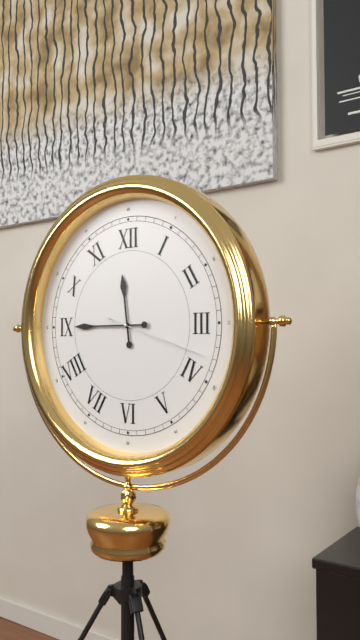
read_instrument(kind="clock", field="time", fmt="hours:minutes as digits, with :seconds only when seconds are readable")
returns 11:45:18
